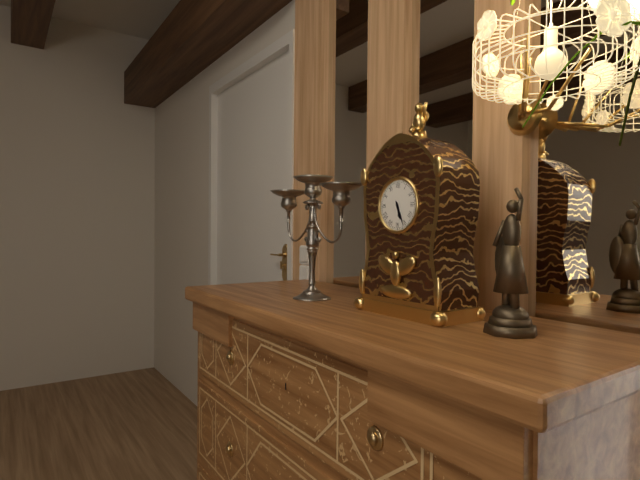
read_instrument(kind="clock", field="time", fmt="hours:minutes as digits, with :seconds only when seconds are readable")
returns 5:26
